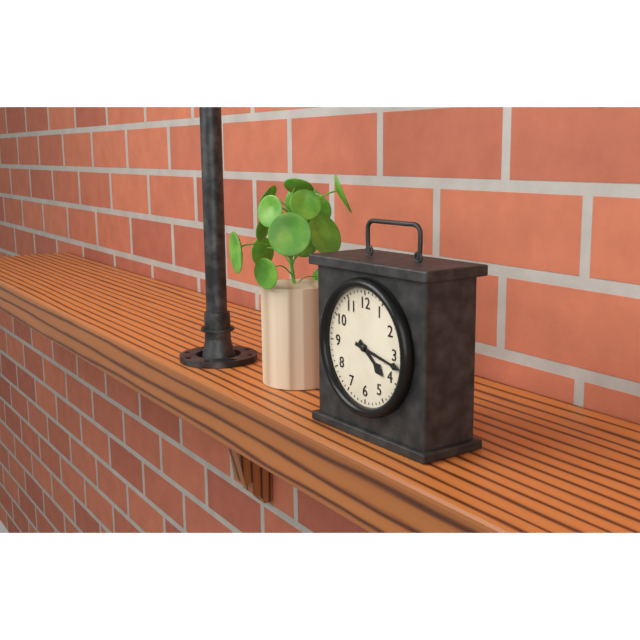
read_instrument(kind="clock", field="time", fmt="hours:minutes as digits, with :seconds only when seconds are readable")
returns 4:17
